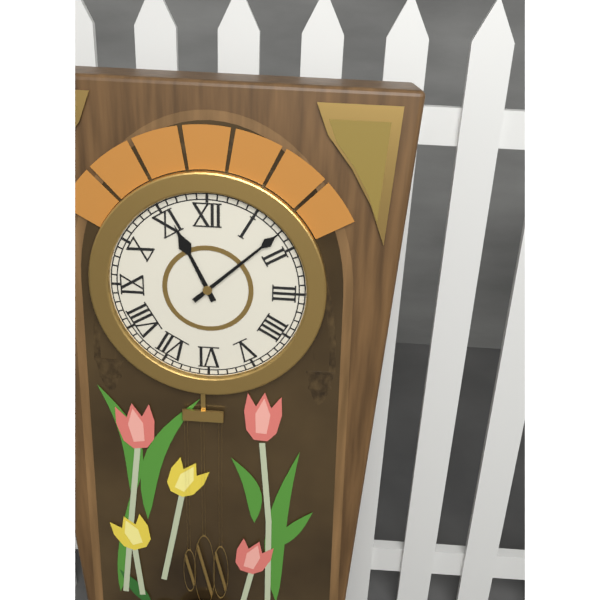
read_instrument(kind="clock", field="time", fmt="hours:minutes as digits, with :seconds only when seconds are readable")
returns 11:08
